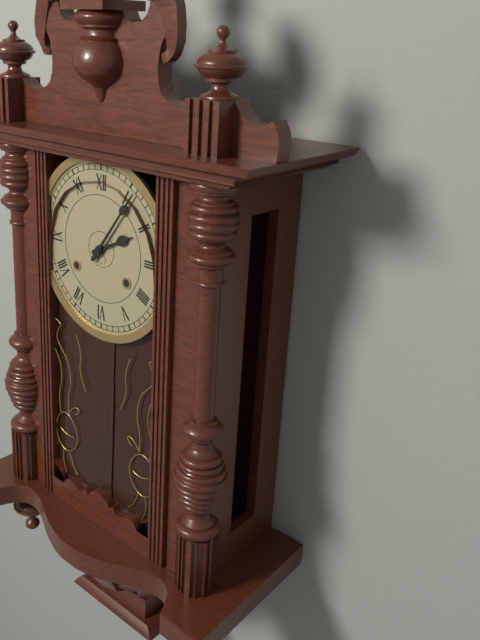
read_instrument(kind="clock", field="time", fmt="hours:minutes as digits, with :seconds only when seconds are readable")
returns 2:06
